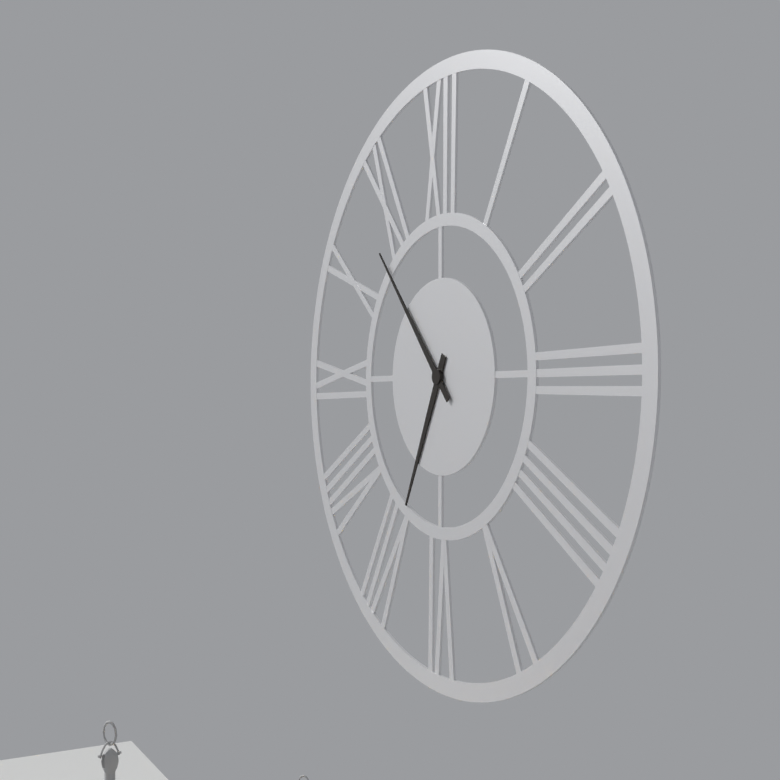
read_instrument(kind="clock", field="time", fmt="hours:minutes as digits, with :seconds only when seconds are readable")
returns 6:53
